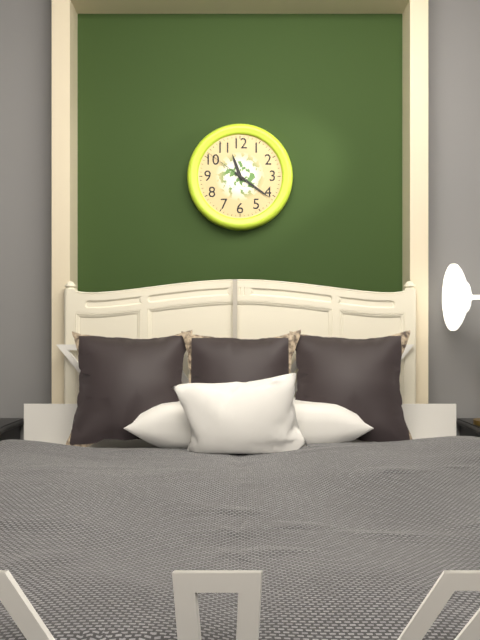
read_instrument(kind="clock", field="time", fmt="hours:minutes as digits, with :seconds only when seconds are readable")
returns 11:21:51
